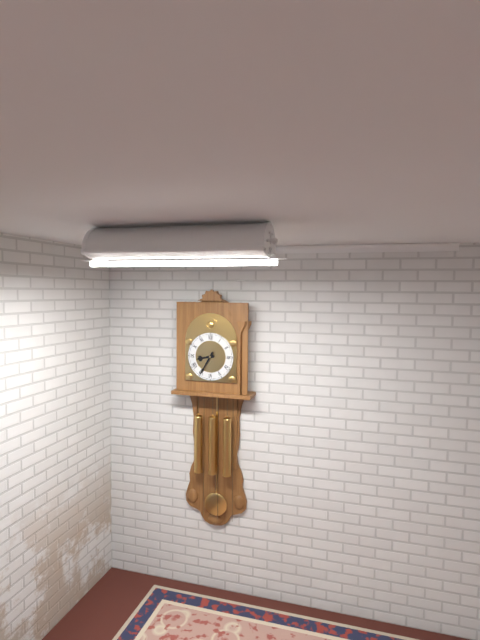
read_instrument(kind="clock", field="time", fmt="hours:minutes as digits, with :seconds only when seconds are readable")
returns 8:35
